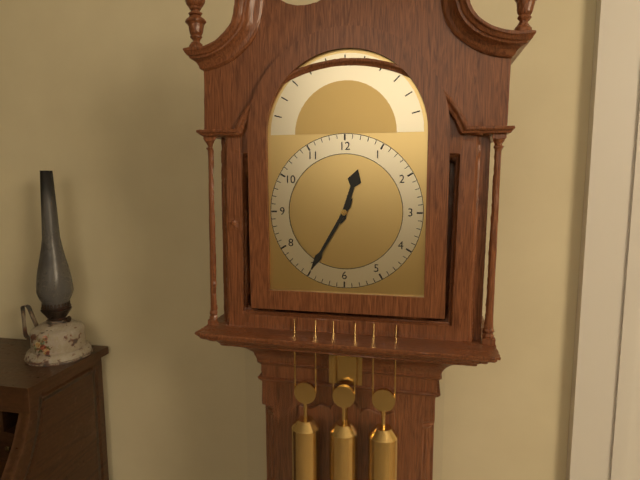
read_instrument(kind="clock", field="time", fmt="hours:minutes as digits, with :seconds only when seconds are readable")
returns 12:35
